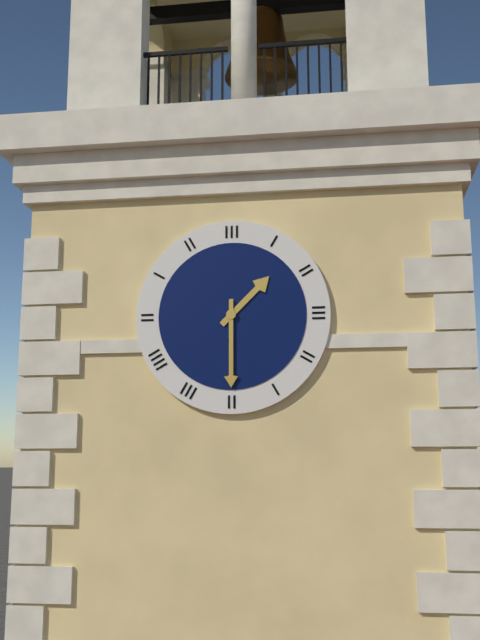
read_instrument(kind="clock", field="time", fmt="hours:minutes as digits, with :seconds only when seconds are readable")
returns 1:30
